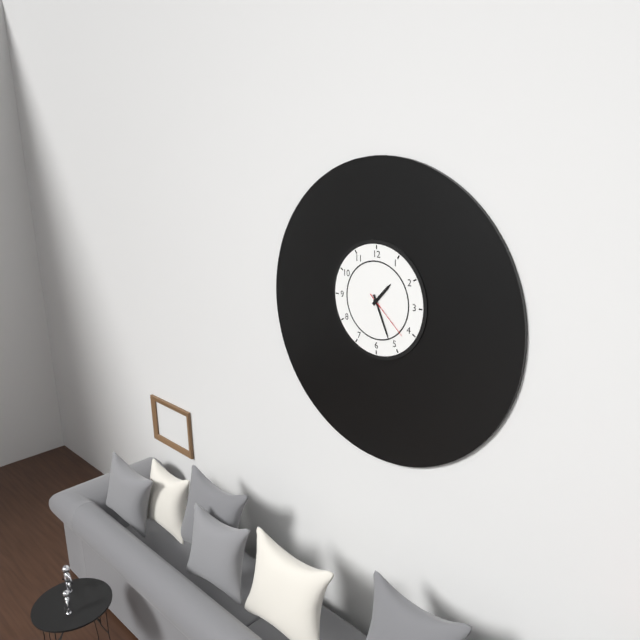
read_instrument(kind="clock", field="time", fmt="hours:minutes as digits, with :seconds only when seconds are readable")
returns 1:26:22
